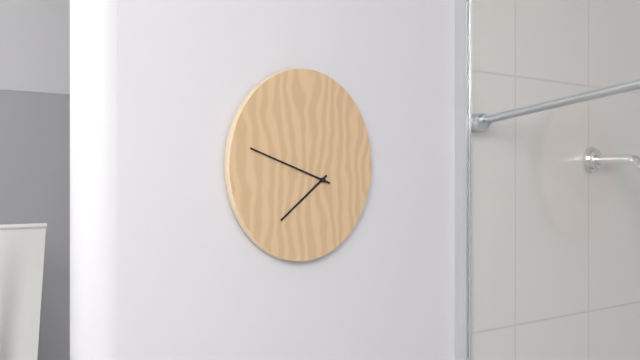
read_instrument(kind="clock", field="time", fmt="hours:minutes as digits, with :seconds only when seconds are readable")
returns 7:48
